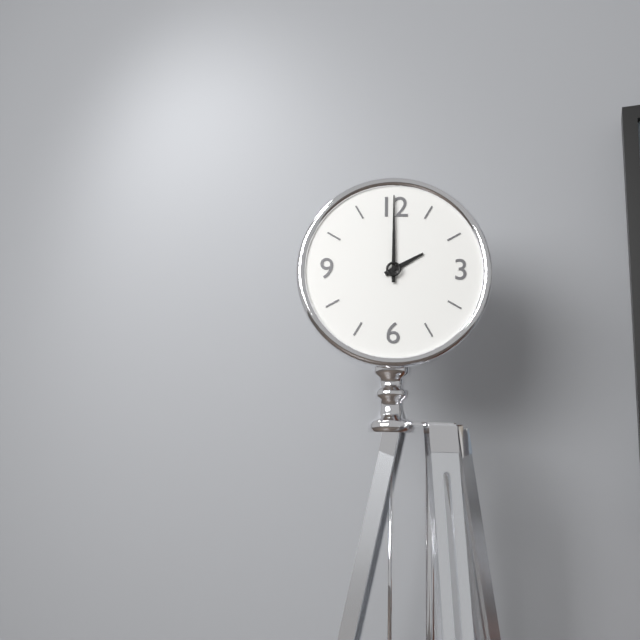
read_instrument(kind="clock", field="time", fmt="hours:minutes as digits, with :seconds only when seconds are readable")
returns 2:00
